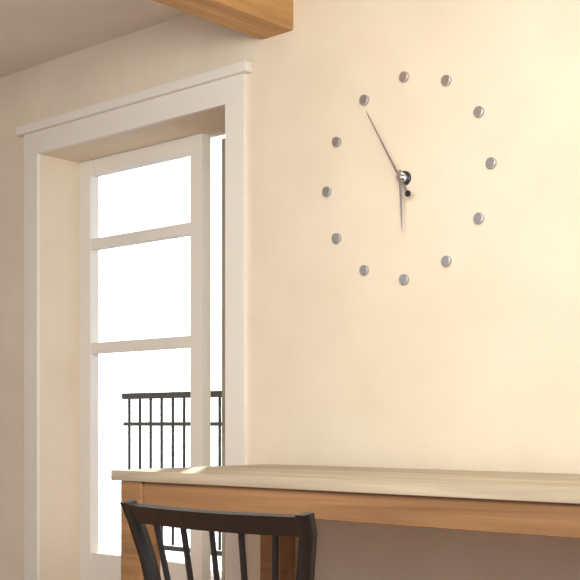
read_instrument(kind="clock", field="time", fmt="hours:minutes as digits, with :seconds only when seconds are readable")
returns 5:55
